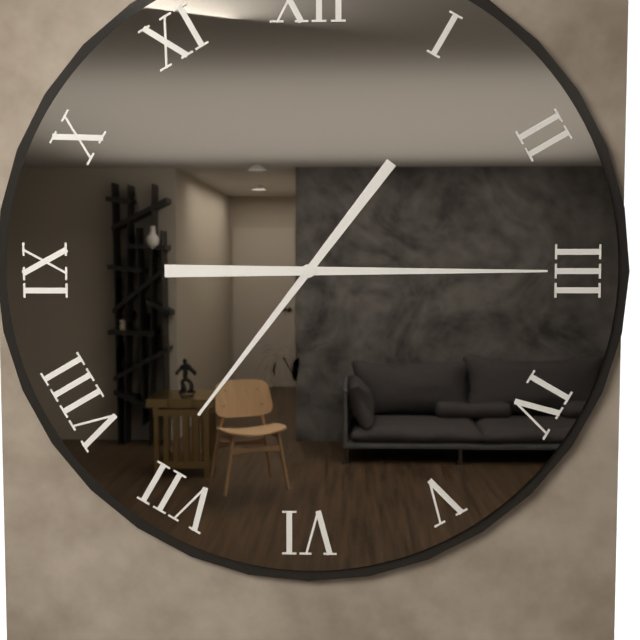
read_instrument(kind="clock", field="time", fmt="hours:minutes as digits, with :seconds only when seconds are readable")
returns 7:15
